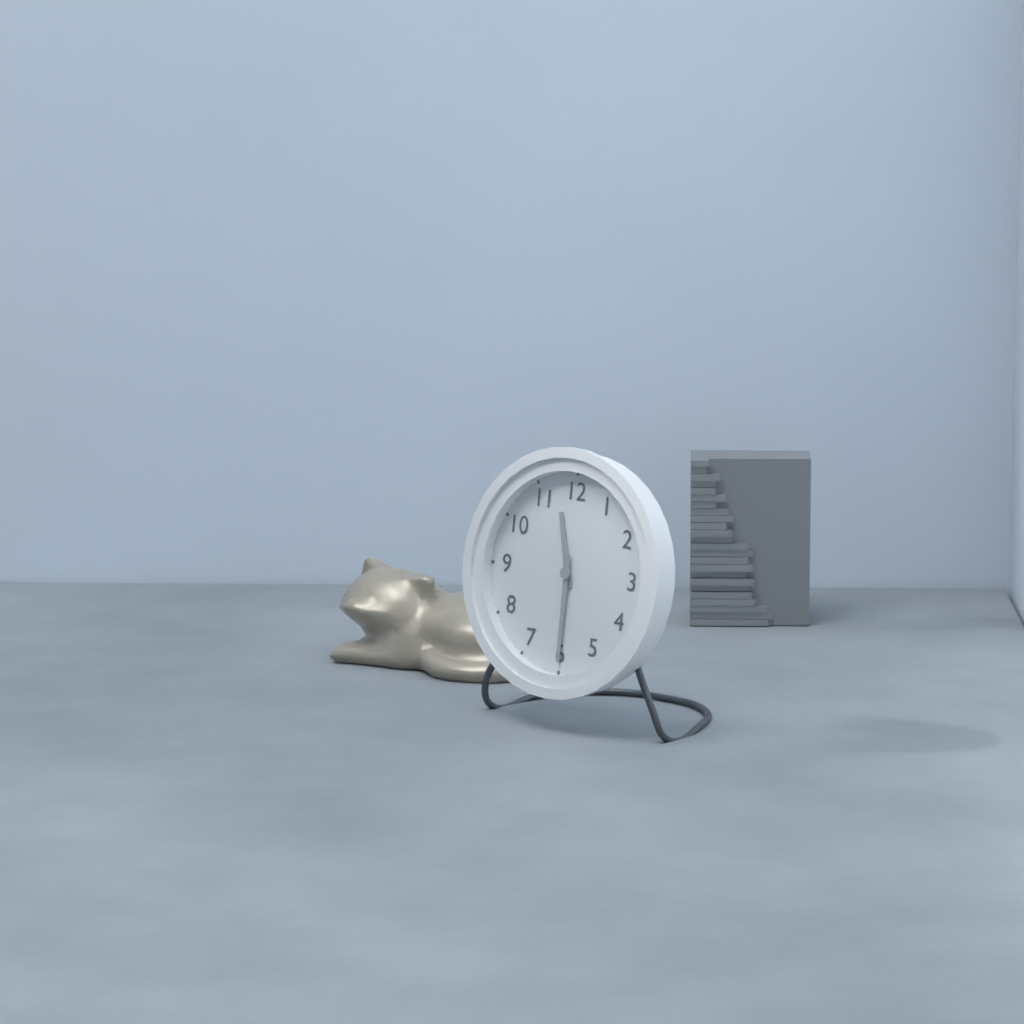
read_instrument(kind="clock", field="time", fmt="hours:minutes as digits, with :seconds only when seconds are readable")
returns 11:30
